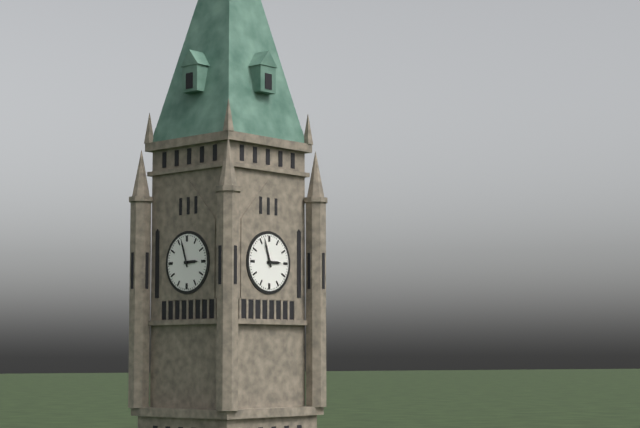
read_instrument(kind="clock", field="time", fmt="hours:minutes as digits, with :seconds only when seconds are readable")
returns 2:57
